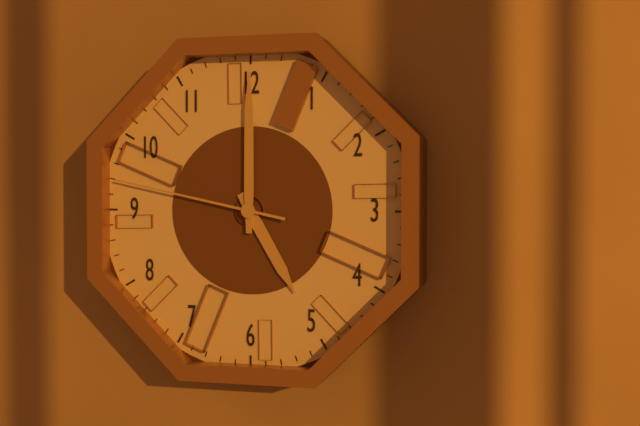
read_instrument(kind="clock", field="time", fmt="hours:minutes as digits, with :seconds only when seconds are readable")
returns 5:00:47
